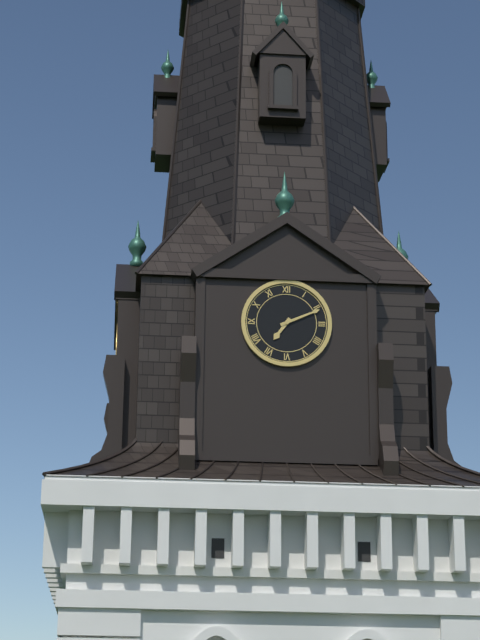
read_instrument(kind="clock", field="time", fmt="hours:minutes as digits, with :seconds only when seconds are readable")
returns 7:11
